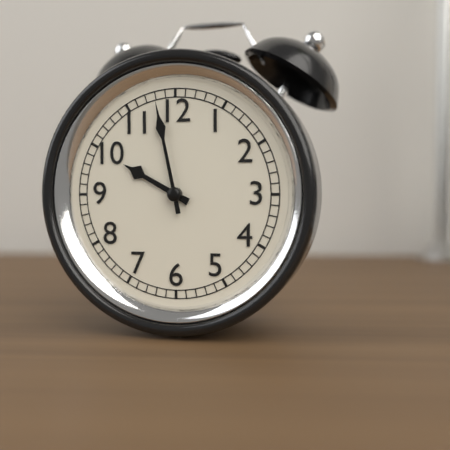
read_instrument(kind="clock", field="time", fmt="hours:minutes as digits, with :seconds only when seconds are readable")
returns 9:58
